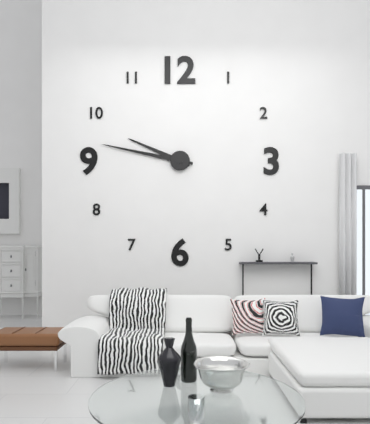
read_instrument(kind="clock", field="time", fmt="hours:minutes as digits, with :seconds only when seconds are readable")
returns 9:47
